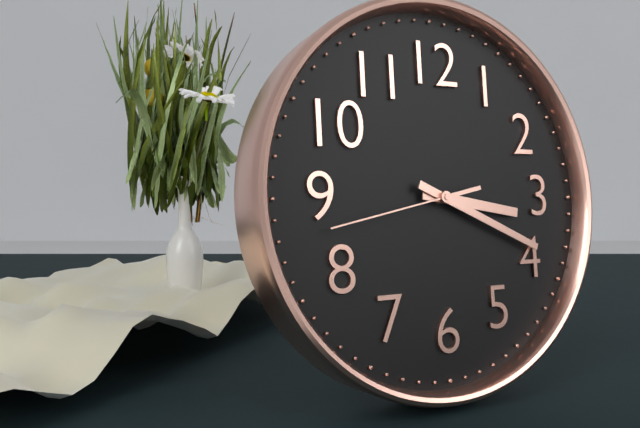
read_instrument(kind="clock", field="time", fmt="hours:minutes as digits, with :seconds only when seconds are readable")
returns 3:19:43
